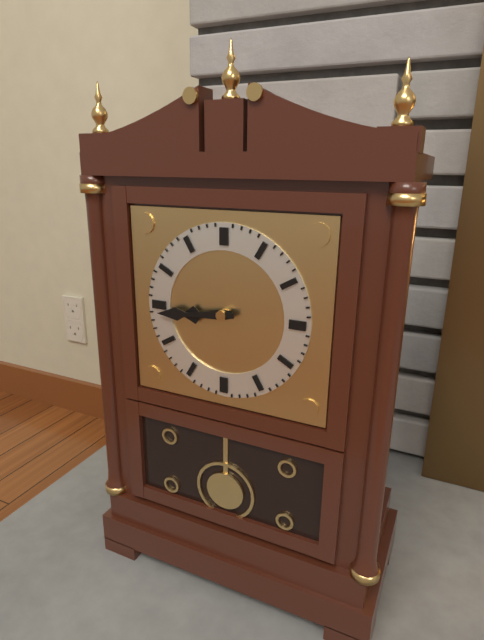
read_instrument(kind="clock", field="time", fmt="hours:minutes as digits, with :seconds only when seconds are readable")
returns 8:44
